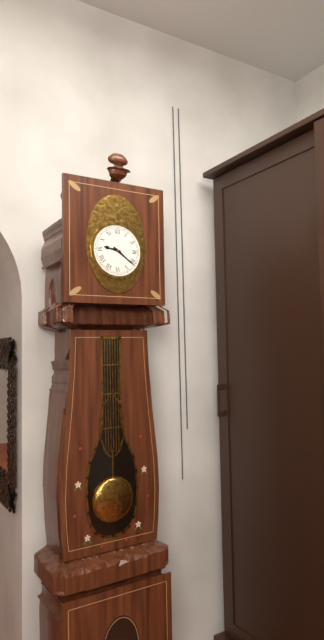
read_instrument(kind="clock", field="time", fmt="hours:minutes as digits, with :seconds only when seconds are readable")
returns 9:21
